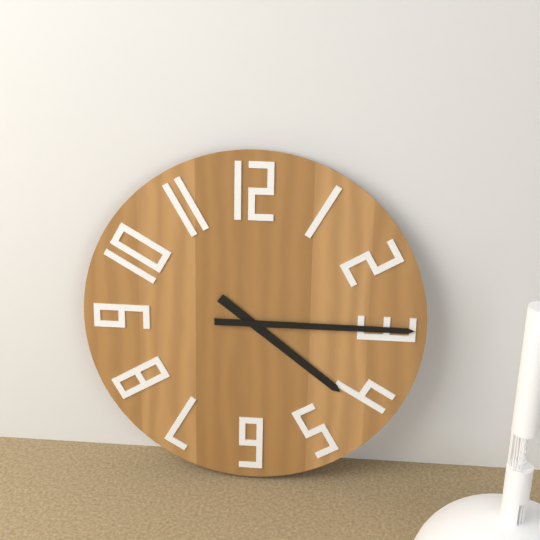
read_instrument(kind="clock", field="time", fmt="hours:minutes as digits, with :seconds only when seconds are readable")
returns 4:15
